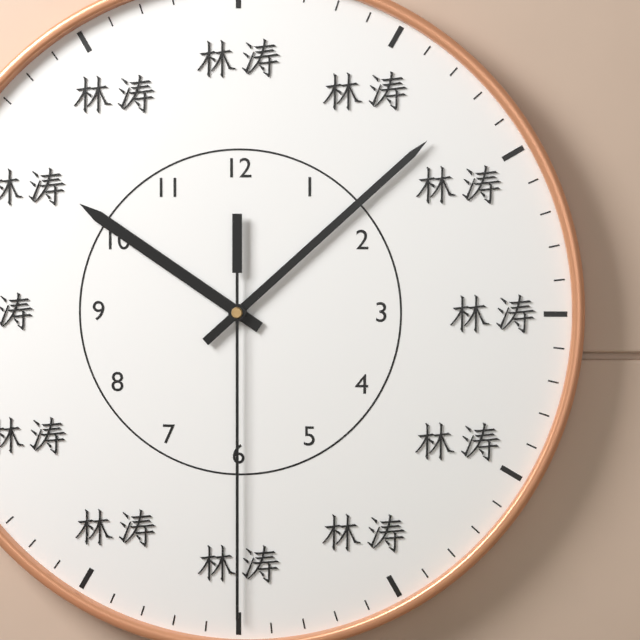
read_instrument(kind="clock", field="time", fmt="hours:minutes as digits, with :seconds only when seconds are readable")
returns 10:08:30
